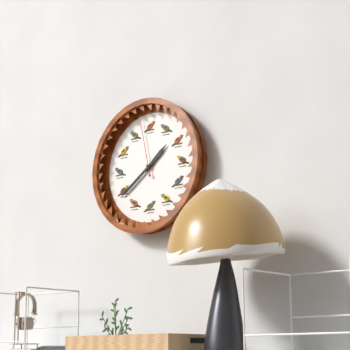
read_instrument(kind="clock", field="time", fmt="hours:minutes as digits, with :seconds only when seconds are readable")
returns 1:39:58
